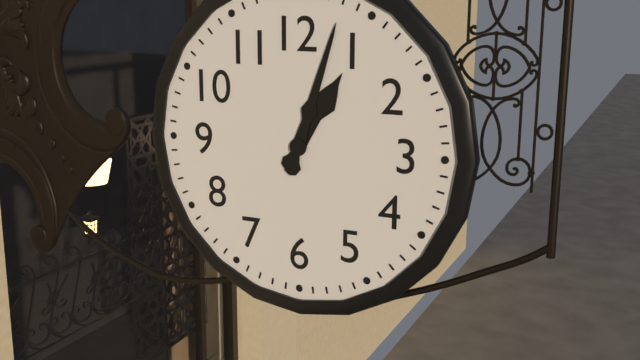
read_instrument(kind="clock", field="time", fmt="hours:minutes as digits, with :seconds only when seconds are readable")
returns 1:03
